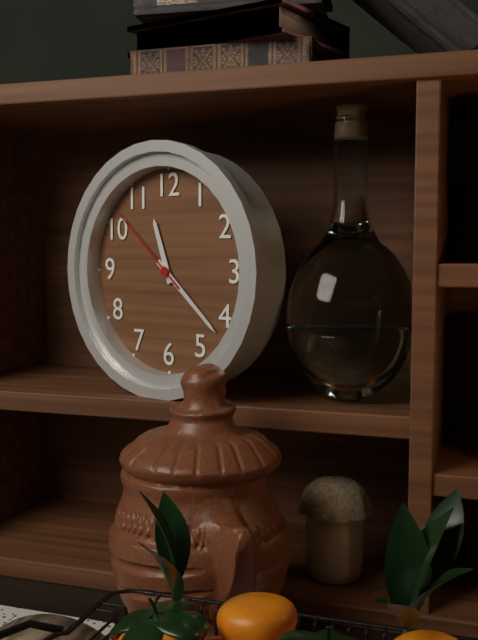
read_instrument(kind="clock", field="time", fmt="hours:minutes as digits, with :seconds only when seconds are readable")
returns 11:22:52
